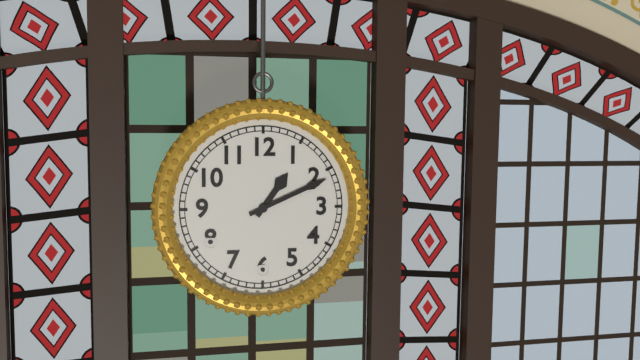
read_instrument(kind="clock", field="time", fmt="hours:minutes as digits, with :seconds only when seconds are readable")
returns 1:11
